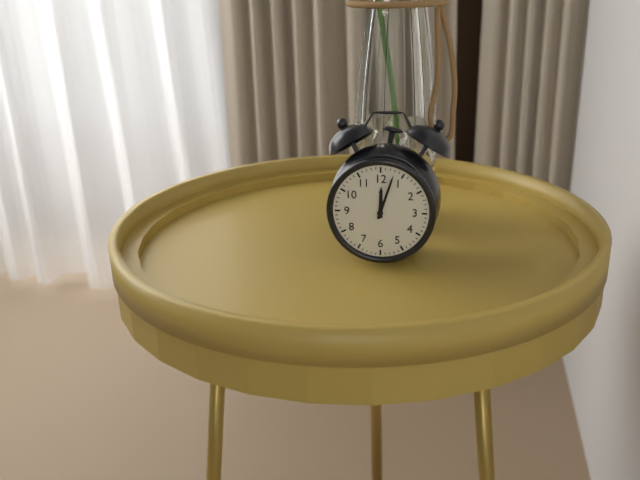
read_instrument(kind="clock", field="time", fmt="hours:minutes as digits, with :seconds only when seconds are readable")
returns 12:03
